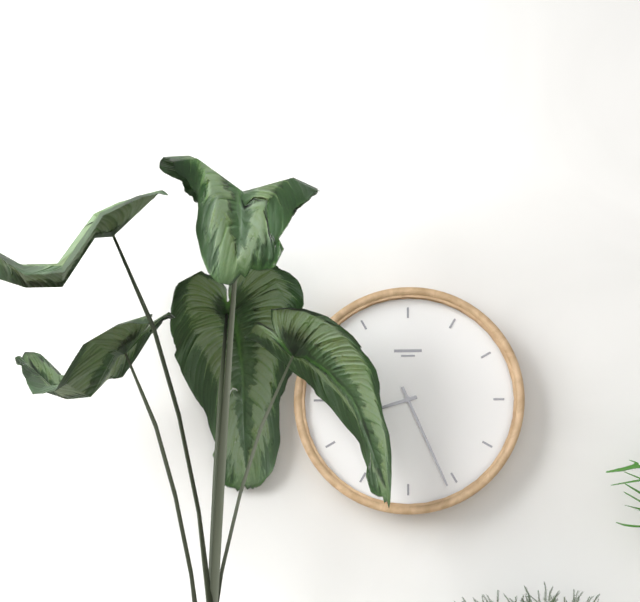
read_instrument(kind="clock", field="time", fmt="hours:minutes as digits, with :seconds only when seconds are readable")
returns 8:26
